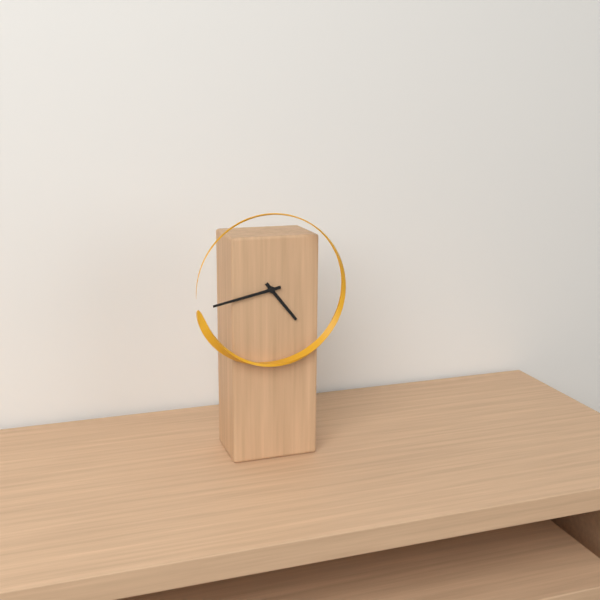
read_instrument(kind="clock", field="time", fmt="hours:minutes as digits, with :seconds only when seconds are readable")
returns 4:43
